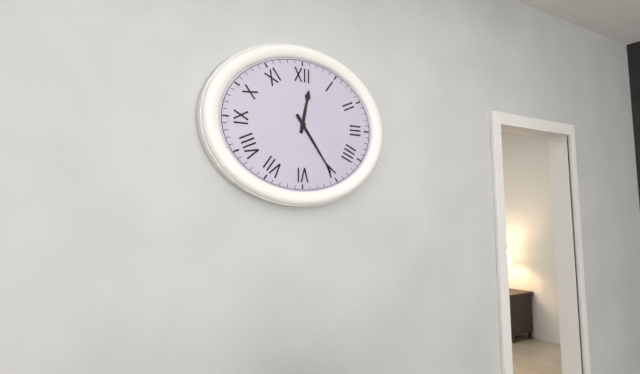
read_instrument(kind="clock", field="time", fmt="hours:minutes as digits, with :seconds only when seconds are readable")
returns 12:24
